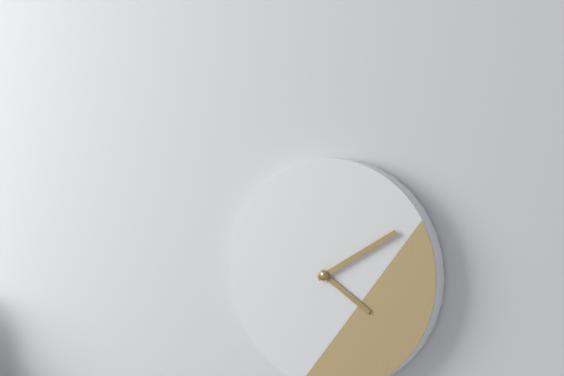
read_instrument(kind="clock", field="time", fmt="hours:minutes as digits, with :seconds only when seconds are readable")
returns 4:10
